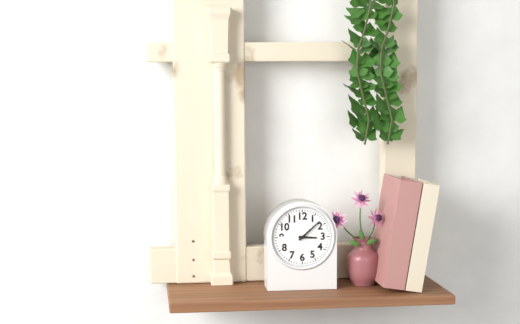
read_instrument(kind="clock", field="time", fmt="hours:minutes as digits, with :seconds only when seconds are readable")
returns 3:08
